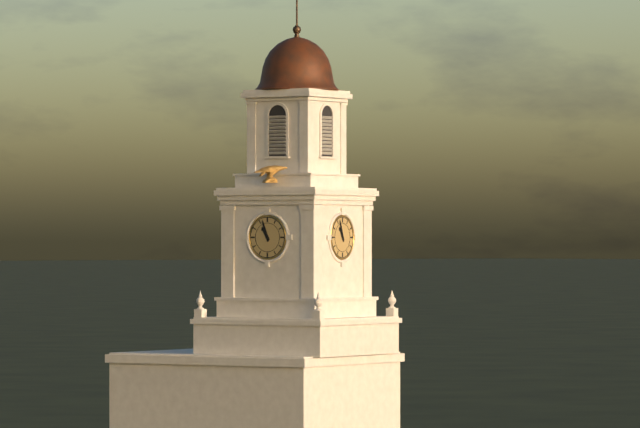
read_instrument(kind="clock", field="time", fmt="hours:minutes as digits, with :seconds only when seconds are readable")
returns 10:57
